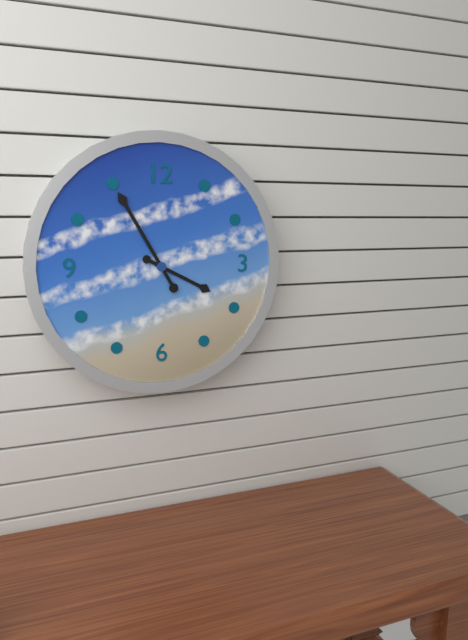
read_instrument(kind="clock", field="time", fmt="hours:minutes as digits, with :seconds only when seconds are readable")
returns 3:55
